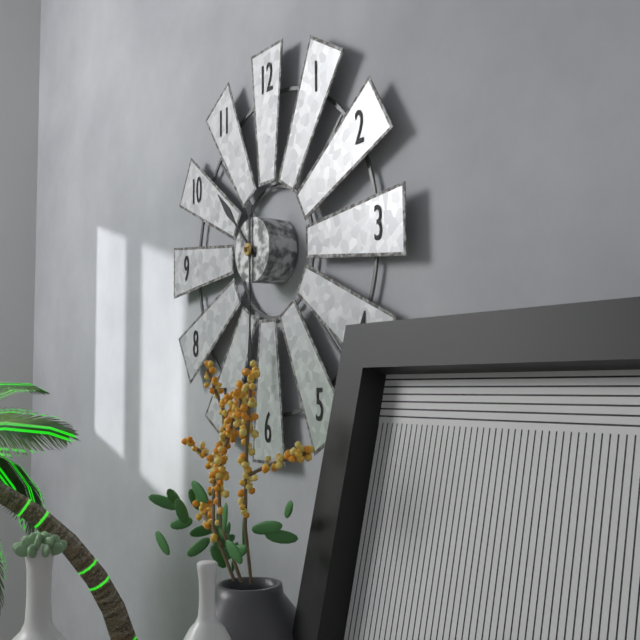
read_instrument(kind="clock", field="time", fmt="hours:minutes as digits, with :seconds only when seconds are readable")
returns 10:30
